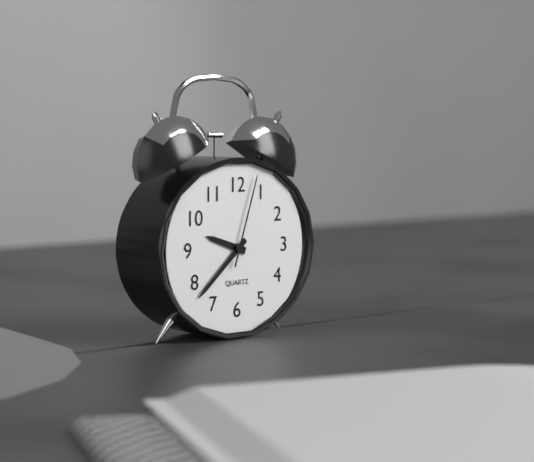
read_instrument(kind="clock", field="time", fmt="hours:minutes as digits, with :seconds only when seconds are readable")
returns 9:38:03
